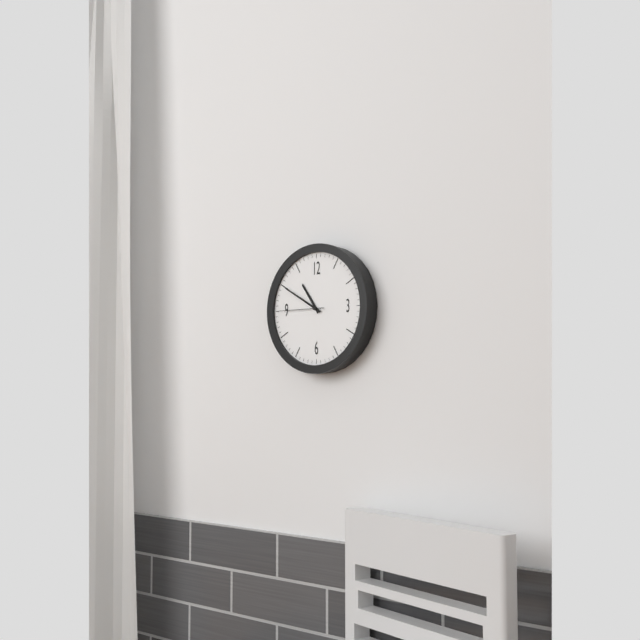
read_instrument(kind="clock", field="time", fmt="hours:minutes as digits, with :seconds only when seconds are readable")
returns 10:50
